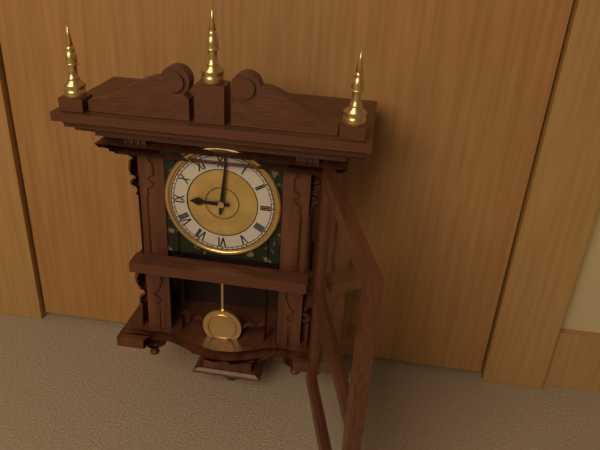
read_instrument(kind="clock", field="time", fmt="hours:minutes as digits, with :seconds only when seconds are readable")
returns 9:01
